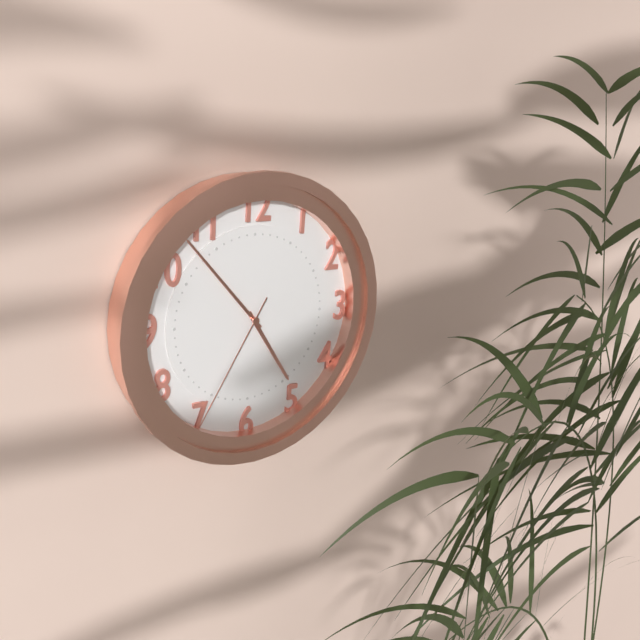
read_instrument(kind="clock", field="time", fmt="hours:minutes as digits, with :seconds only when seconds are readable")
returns 4:53:35
